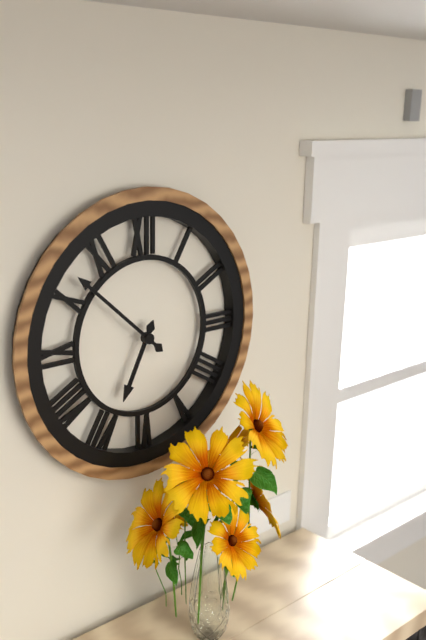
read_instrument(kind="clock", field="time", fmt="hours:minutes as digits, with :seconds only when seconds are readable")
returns 6:52
